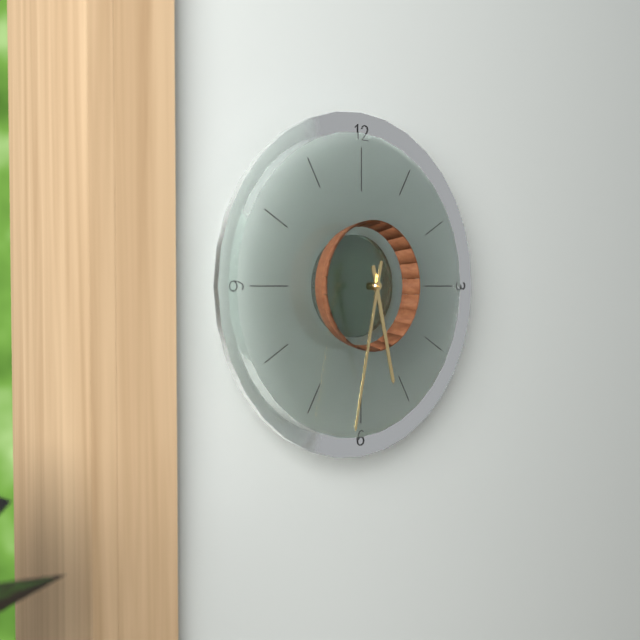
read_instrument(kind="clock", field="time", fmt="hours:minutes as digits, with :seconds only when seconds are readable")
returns 5:32
